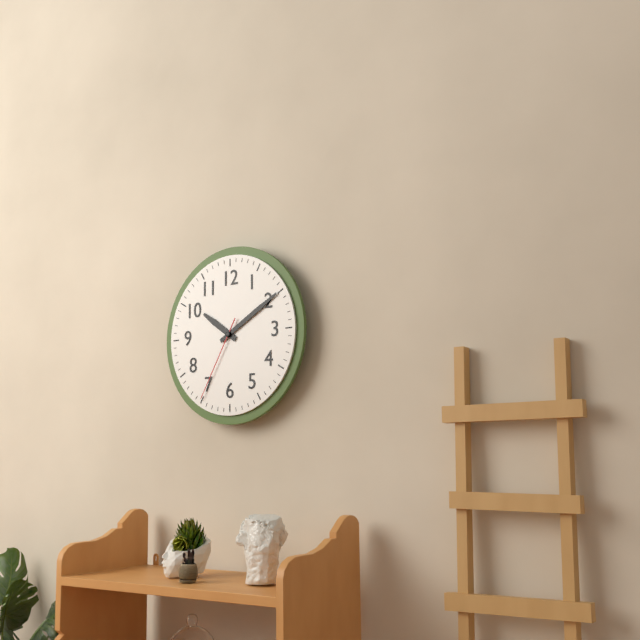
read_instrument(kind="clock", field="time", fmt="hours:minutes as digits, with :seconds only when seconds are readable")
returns 10:10:35
